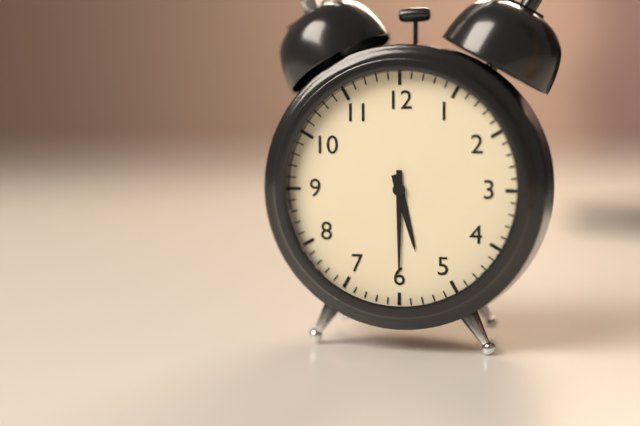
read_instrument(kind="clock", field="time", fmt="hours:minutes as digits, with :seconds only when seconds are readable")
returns 5:30
